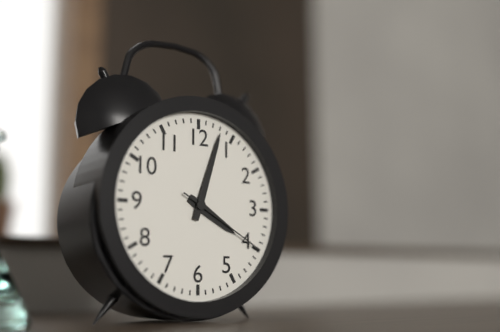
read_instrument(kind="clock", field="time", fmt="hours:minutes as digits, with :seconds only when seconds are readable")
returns 4:03:20
